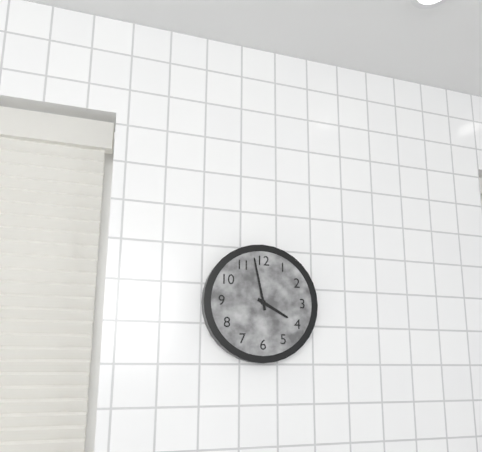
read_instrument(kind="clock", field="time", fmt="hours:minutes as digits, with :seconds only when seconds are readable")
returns 3:58
